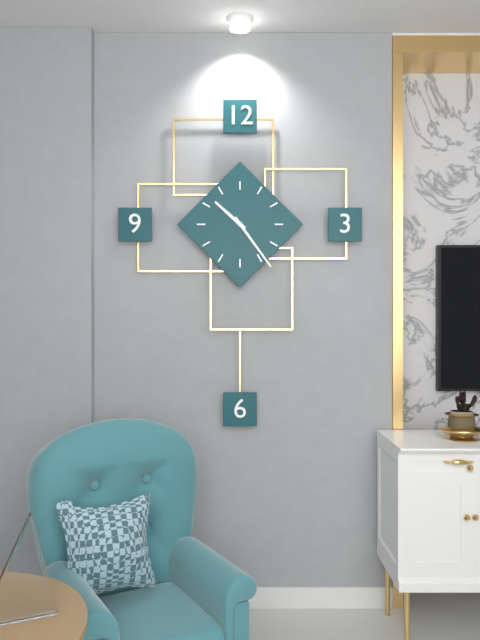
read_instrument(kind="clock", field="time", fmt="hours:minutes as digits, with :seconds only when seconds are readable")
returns 10:24
